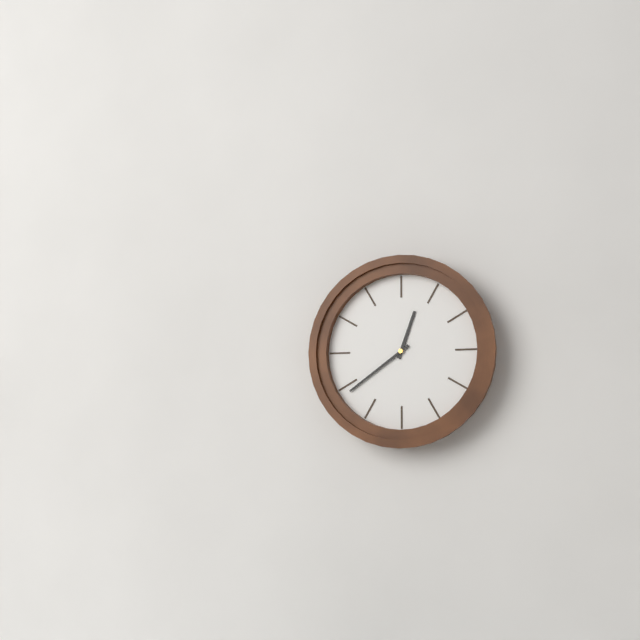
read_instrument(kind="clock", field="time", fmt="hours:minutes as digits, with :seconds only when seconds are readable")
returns 12:39
